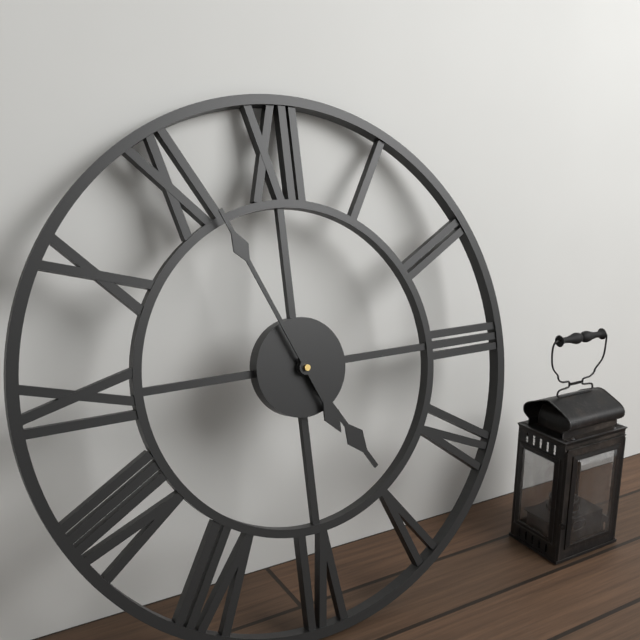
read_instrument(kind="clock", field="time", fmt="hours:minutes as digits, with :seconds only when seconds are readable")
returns 4:56
